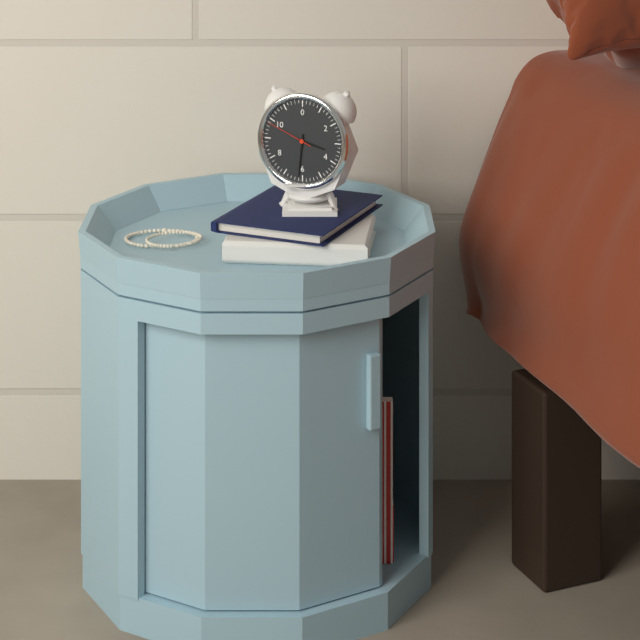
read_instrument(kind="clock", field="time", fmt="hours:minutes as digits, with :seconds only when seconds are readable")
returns 3:31
